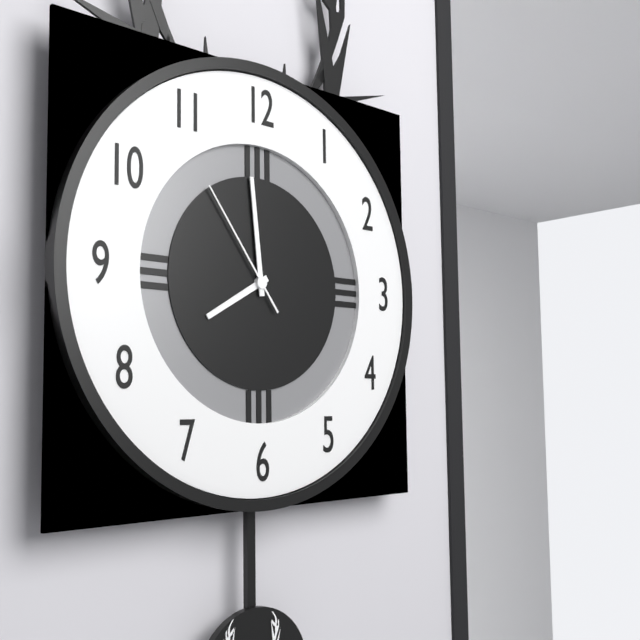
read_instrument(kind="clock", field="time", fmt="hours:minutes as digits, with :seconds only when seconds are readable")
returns 7:59:54
